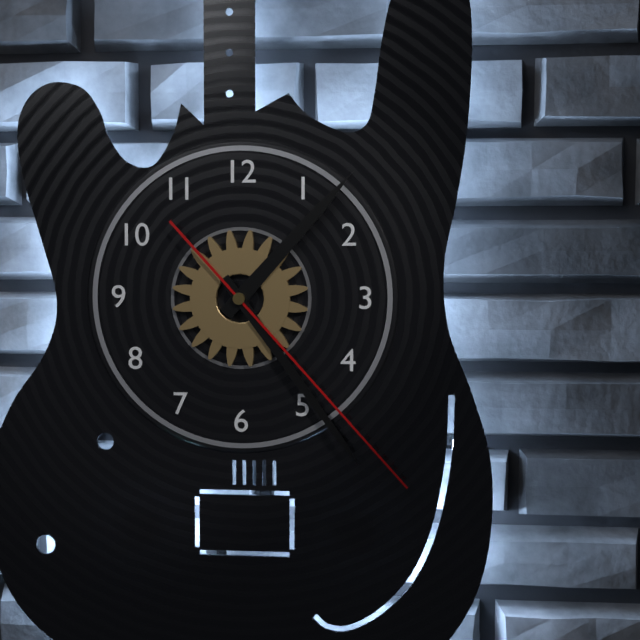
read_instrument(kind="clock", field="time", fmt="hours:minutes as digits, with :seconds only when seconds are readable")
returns 1:24:23
